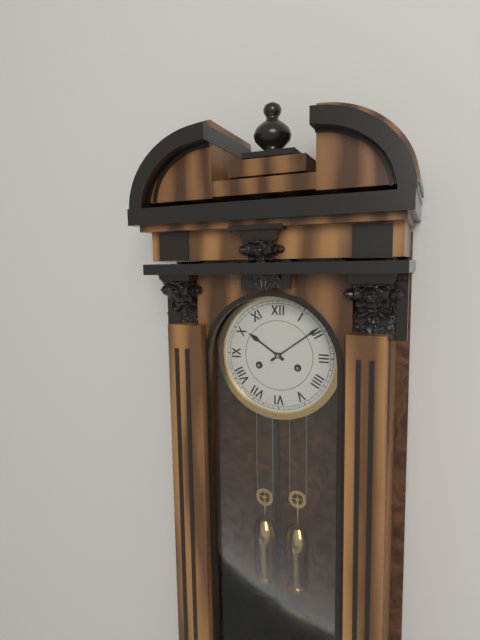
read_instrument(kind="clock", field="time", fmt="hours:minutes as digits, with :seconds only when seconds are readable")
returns 10:09
